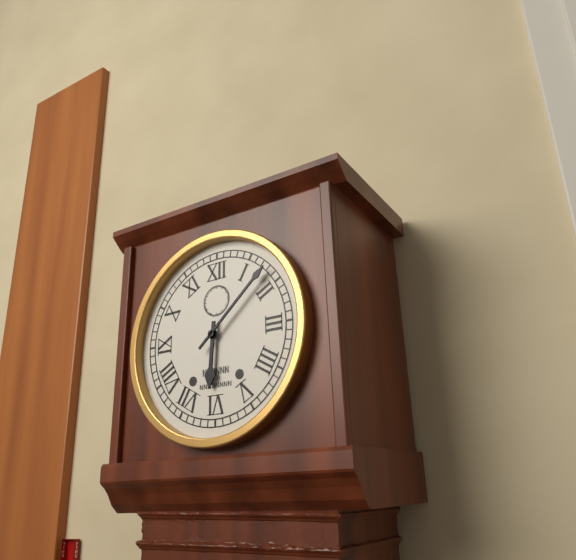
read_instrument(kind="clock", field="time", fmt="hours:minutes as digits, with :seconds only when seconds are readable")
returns 6:08
